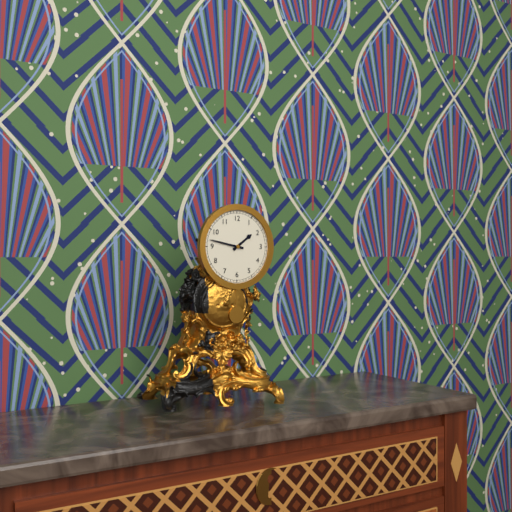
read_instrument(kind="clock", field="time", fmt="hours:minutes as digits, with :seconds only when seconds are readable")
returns 1:47
